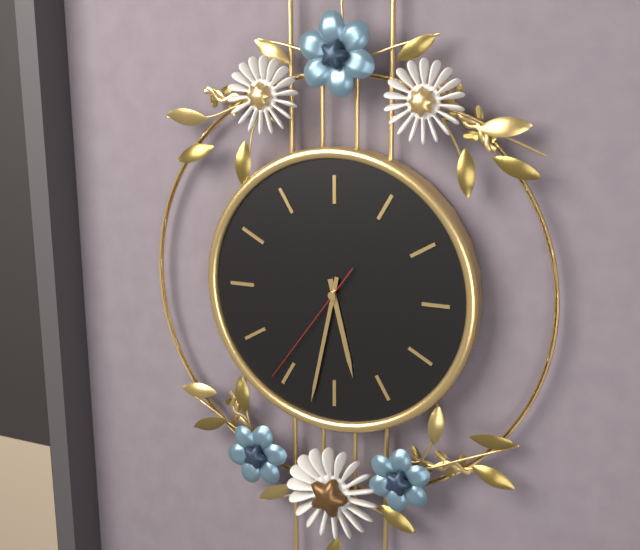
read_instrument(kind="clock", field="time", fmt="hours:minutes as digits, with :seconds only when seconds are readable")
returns 5:32:36
